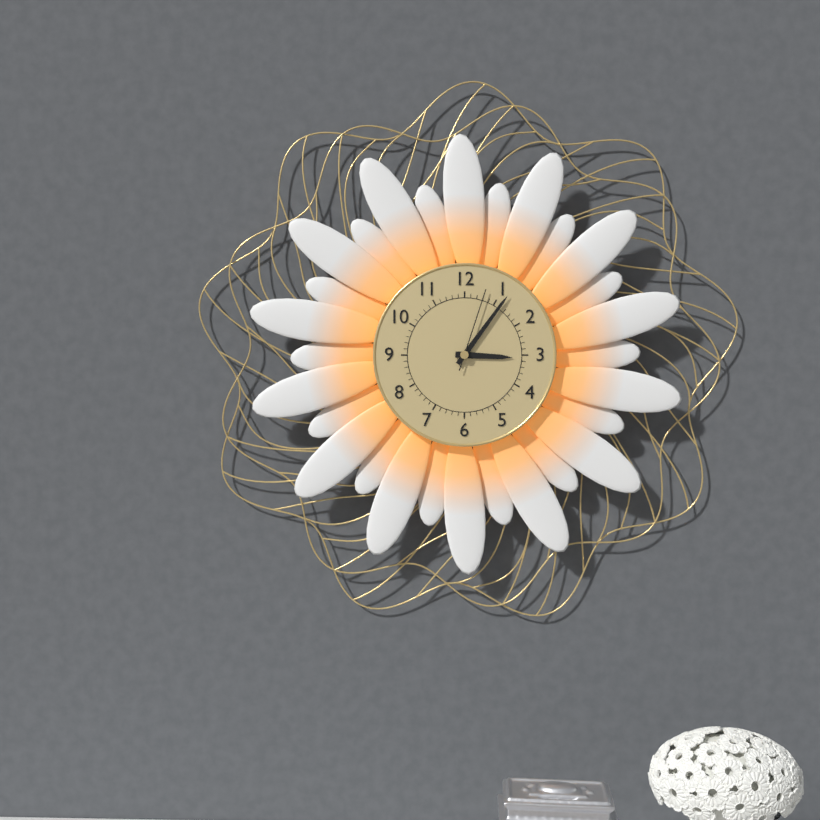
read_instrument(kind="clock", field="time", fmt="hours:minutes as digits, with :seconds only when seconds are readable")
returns 3:06:03
